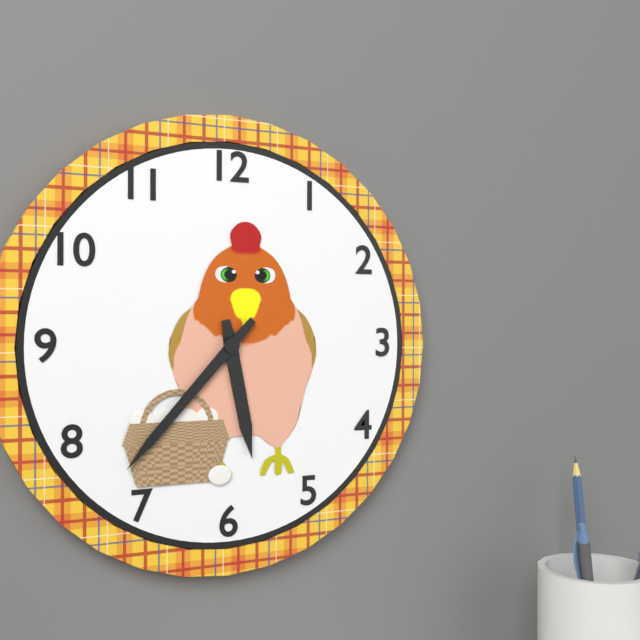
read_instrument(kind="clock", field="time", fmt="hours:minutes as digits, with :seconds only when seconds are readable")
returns 5:37
